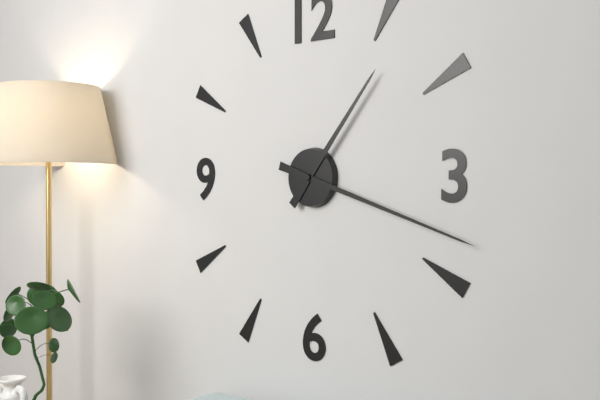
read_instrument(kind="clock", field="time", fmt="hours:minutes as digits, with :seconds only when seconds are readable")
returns 1:18
